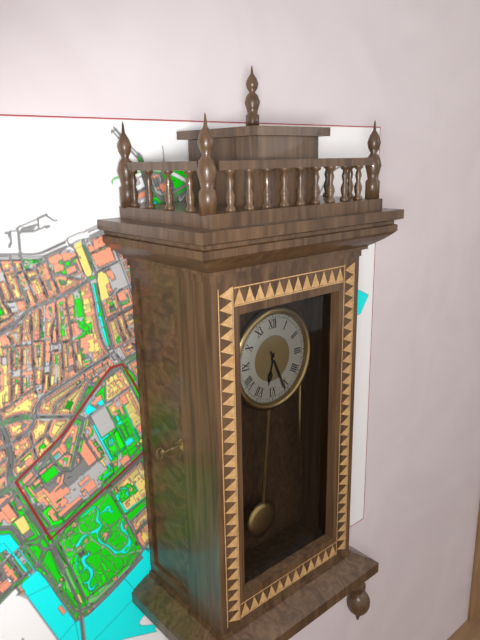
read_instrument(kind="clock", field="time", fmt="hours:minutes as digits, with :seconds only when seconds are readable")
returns 6:26
